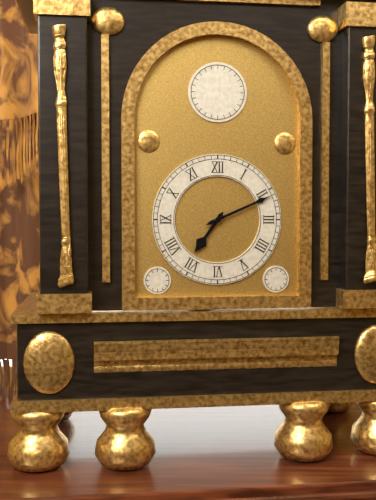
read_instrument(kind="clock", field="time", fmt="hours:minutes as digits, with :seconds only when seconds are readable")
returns 7:11
